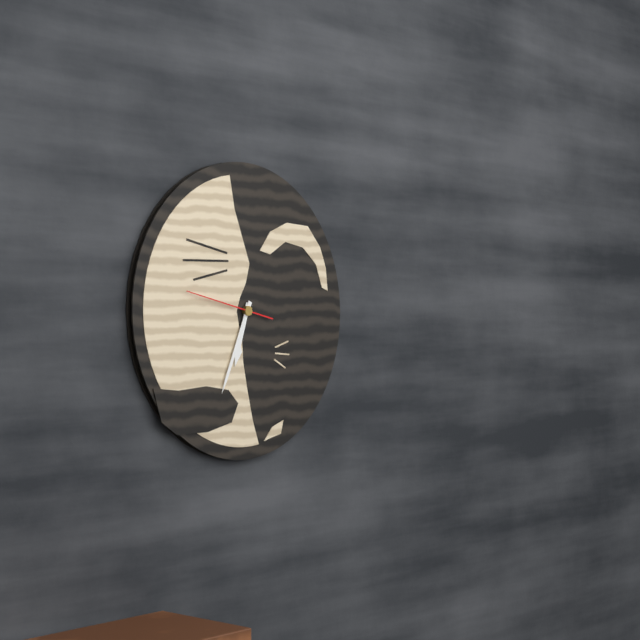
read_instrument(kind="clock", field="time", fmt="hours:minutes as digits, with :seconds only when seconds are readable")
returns 6:34:47
